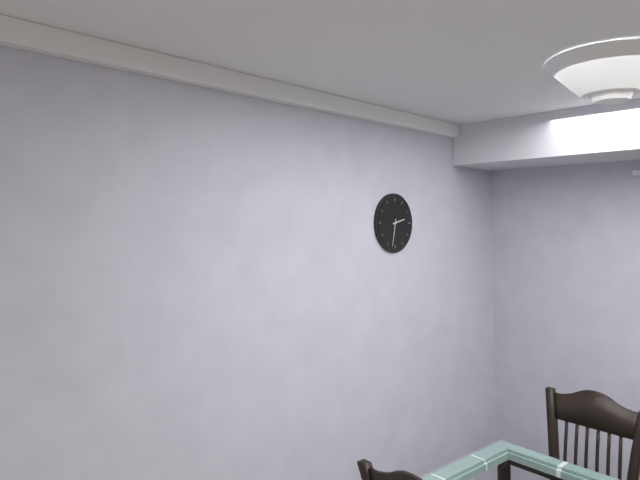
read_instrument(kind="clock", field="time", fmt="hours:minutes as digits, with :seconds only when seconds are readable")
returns 2:32
